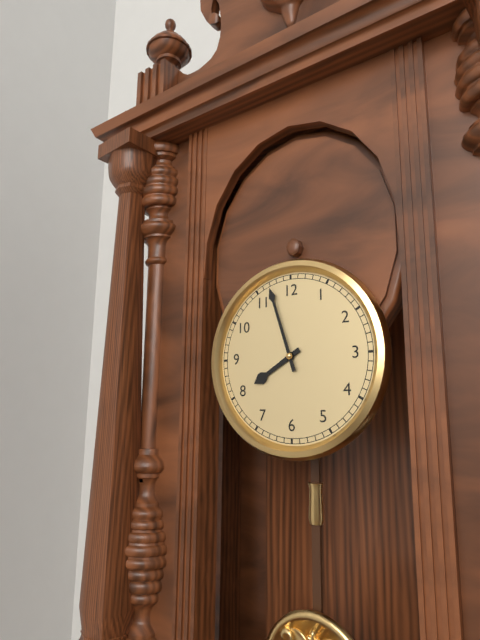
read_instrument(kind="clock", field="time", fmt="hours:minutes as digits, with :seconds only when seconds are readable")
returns 7:57
